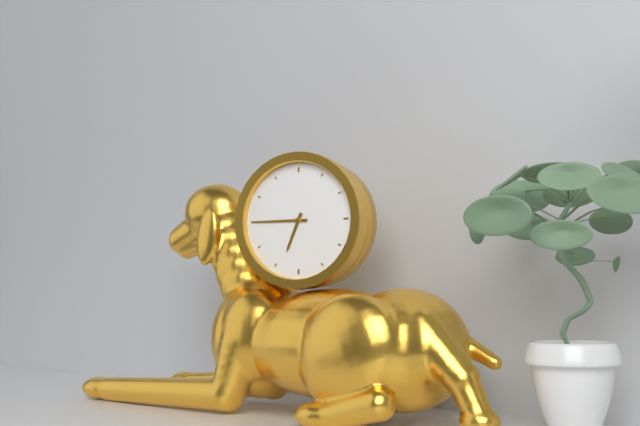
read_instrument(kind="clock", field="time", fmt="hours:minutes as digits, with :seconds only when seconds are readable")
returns 6:45
